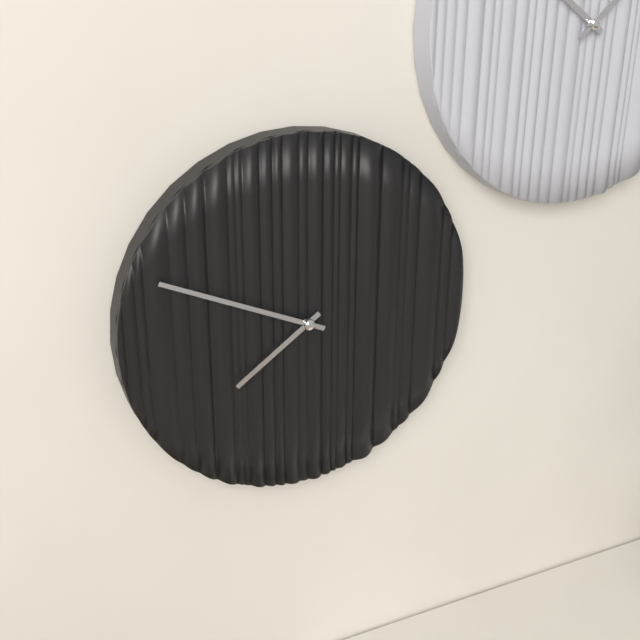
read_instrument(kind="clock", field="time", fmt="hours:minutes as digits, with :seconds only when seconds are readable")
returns 7:49
